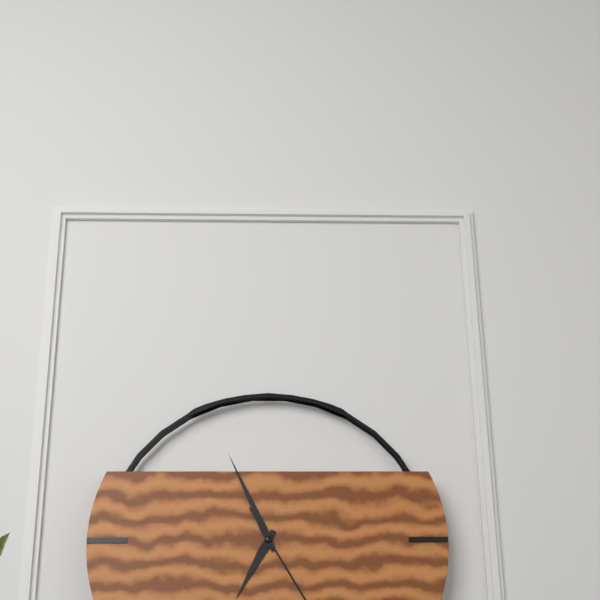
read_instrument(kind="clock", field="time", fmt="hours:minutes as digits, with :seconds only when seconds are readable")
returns 6:56
